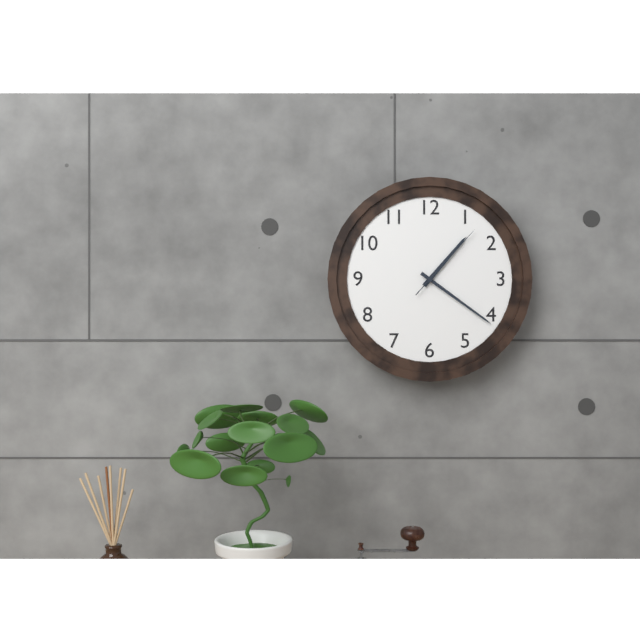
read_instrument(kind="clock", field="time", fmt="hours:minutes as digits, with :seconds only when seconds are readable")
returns 1:21:07
